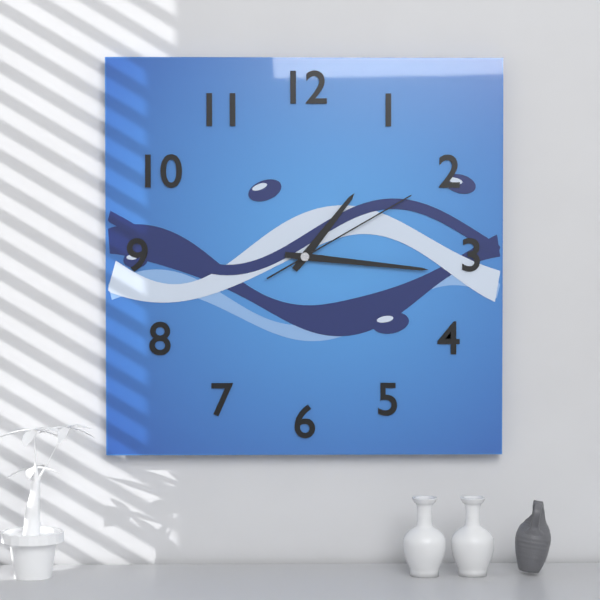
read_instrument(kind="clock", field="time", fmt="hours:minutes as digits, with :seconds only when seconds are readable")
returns 1:16:10
